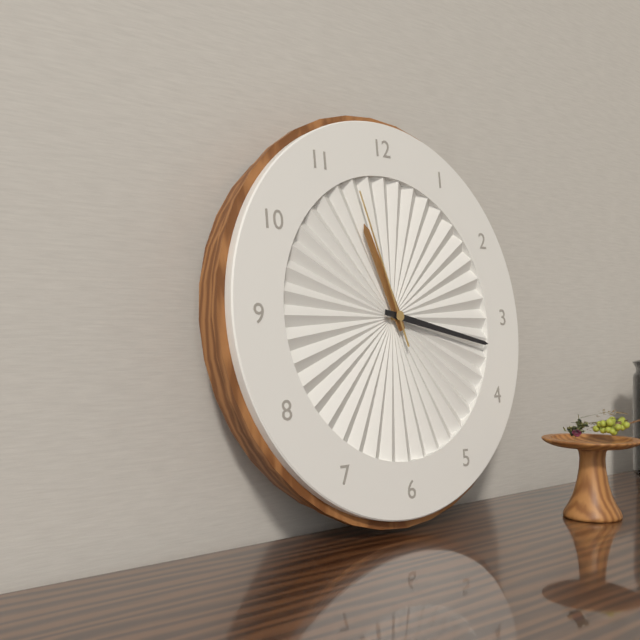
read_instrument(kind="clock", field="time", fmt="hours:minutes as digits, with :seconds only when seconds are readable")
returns 11:17:57
